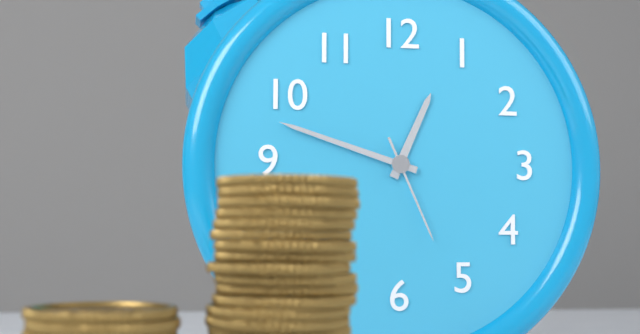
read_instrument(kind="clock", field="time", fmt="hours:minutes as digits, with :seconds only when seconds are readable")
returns 12:48:26
